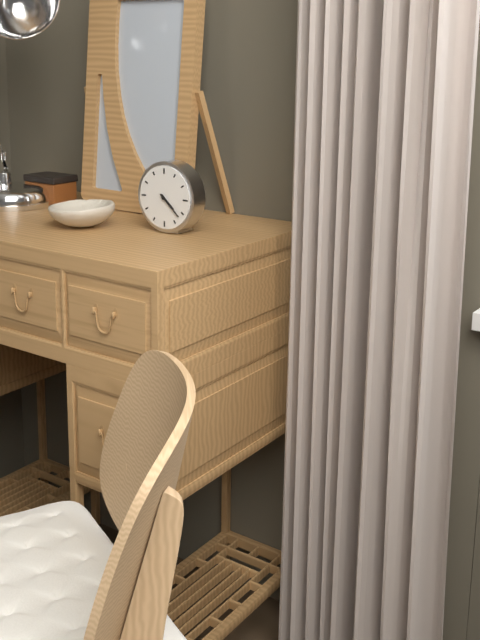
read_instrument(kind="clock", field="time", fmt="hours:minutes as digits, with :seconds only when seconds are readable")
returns 4:22
